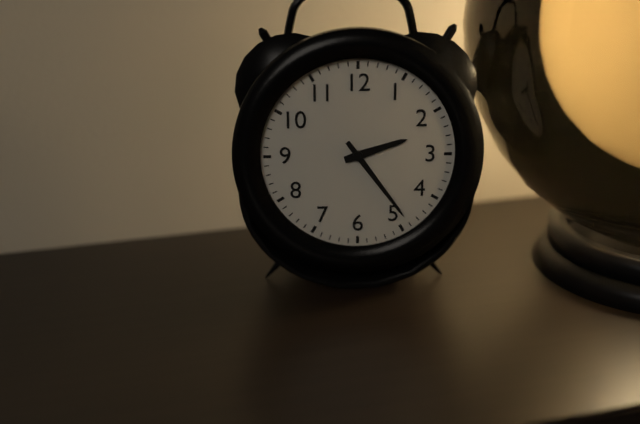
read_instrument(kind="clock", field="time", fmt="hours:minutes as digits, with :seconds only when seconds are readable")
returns 2:24
